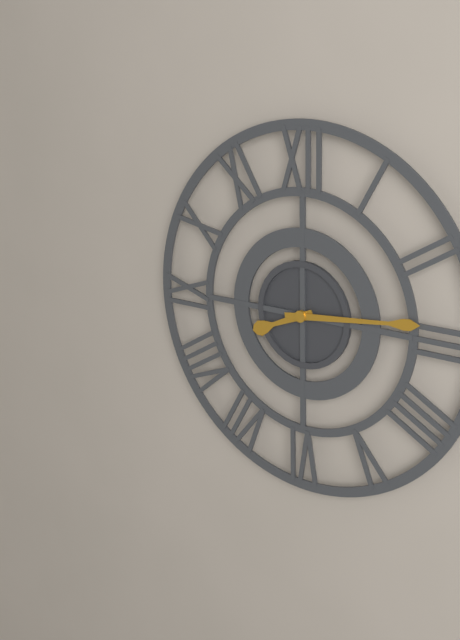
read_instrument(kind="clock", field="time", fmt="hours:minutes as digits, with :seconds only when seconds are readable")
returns 8:14
